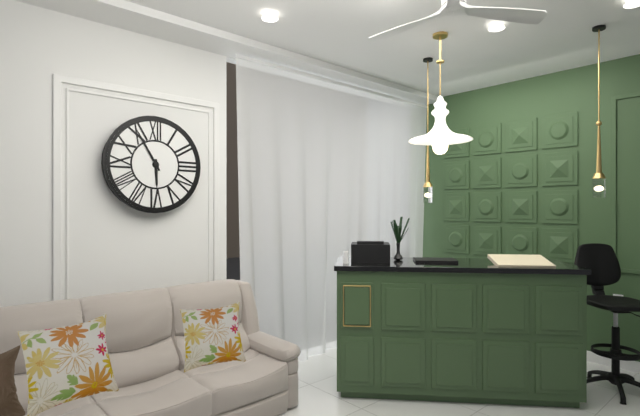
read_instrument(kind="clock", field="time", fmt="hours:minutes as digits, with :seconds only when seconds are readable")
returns 5:55
